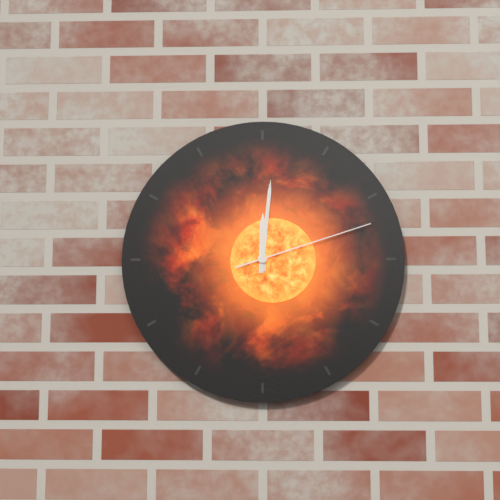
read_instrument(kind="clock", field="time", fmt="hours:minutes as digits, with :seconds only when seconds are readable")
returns 12:01:12
